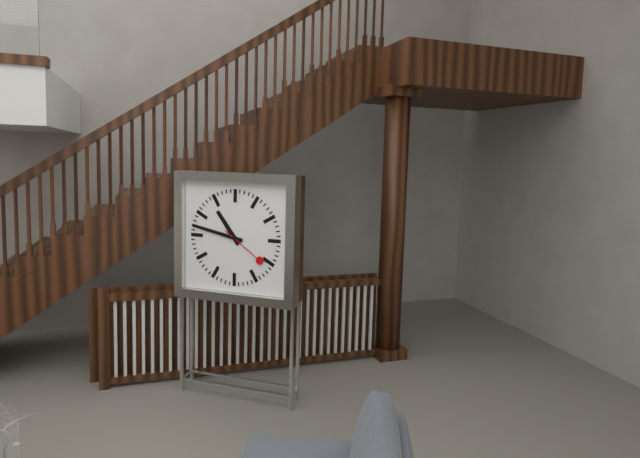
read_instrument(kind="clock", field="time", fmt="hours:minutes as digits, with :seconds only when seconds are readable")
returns 10:47
